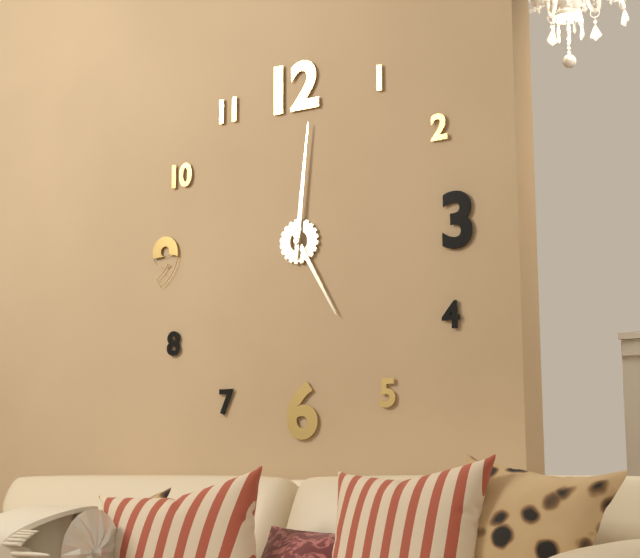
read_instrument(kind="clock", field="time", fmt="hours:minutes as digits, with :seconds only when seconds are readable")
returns 5:01
